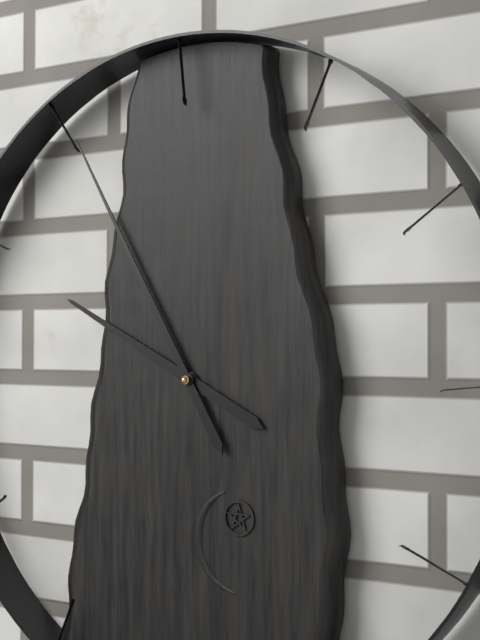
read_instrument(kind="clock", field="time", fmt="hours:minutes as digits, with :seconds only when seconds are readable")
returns 9:55
